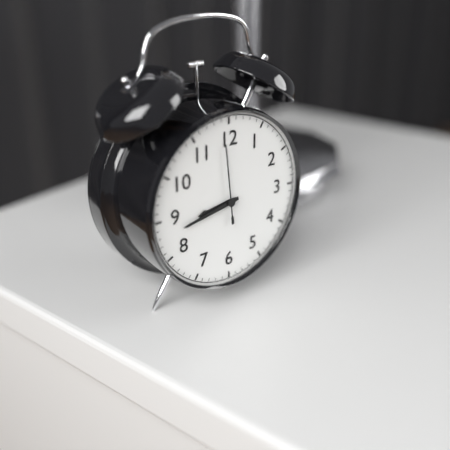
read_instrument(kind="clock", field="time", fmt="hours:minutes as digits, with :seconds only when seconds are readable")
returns 8:43:59
